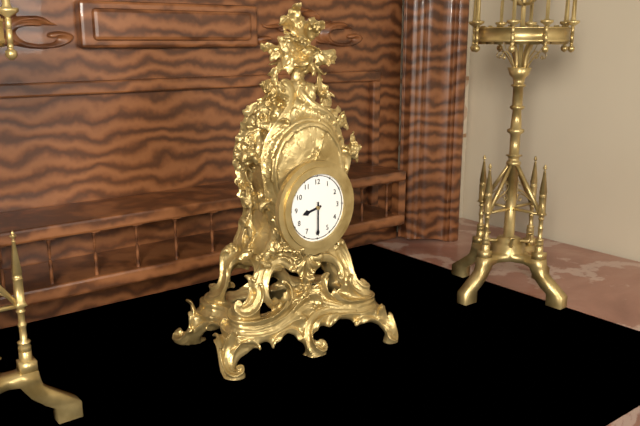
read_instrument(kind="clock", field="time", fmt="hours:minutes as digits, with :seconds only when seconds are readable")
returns 8:30
